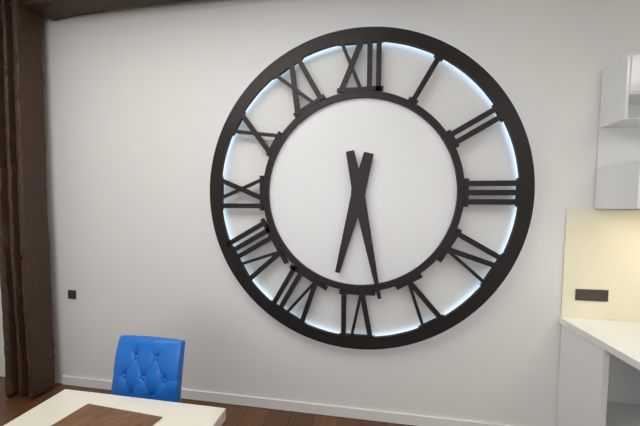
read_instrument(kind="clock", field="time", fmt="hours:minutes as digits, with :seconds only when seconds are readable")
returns 6:28
